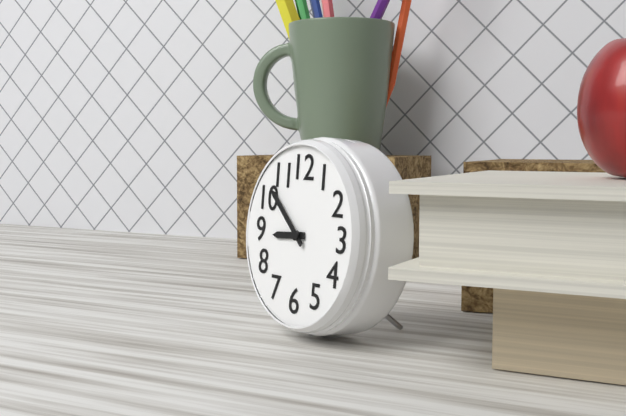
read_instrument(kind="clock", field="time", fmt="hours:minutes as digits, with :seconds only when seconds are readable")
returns 8:52
